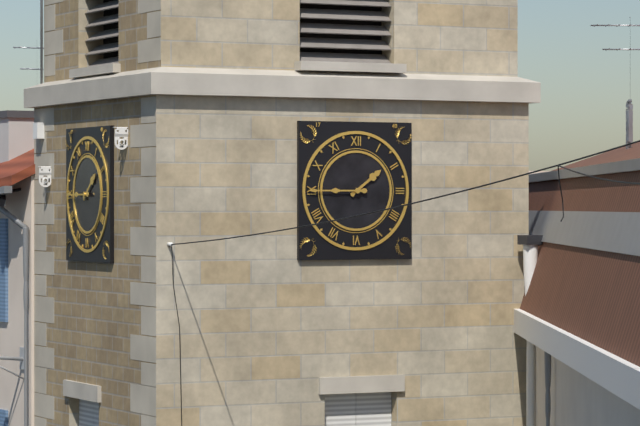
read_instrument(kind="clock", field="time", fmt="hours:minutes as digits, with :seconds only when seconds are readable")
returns 1:45
